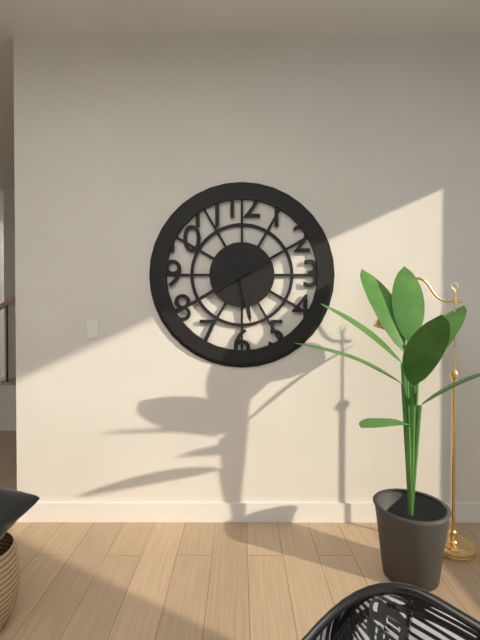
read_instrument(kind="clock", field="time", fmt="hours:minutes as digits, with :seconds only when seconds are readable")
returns 5:40
